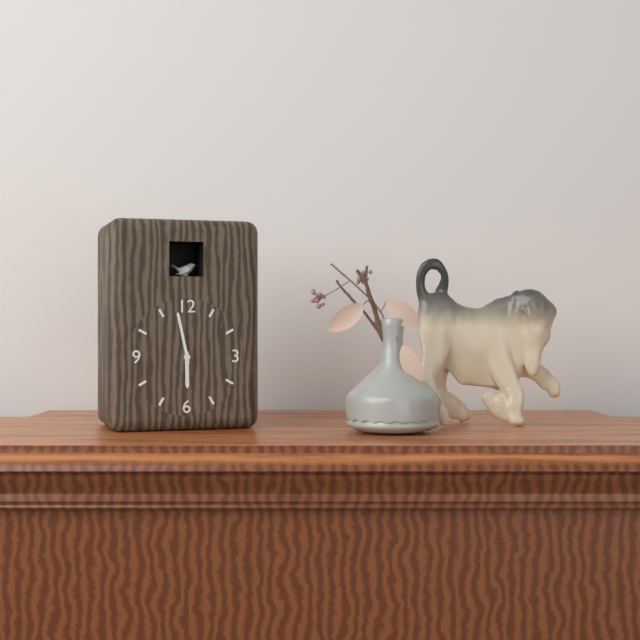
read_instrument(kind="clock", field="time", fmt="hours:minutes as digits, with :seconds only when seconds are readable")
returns 5:58
